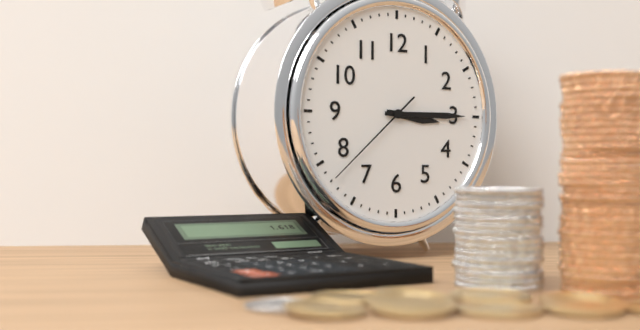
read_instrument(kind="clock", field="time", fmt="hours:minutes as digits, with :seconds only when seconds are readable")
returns 3:15:38
